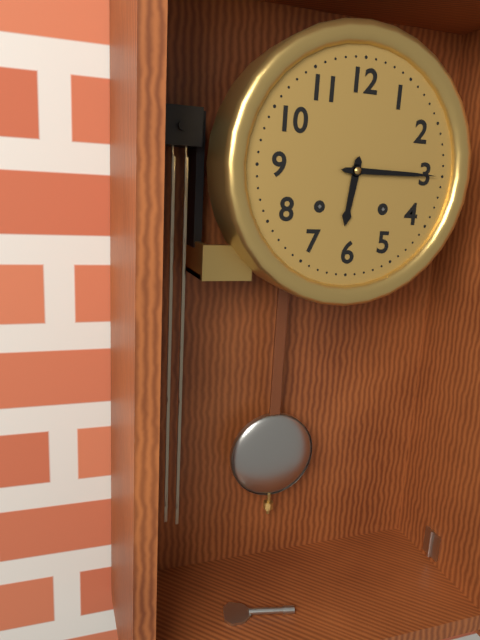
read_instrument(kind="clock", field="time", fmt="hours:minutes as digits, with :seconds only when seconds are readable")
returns 6:15
